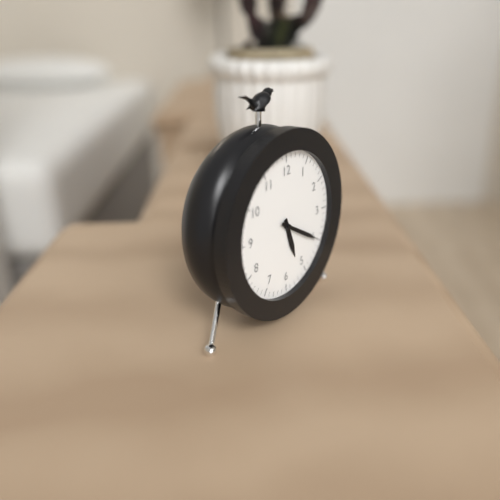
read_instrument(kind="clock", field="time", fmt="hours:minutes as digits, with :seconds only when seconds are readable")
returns 5:20
